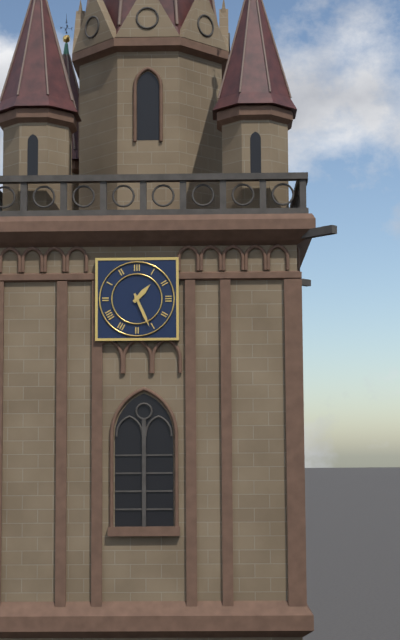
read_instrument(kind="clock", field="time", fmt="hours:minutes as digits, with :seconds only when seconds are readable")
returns 1:26
